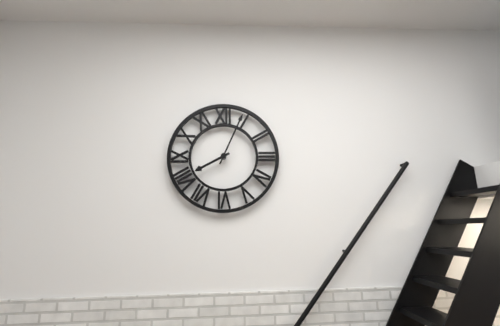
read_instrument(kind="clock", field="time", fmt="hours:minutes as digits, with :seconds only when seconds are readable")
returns 8:04
